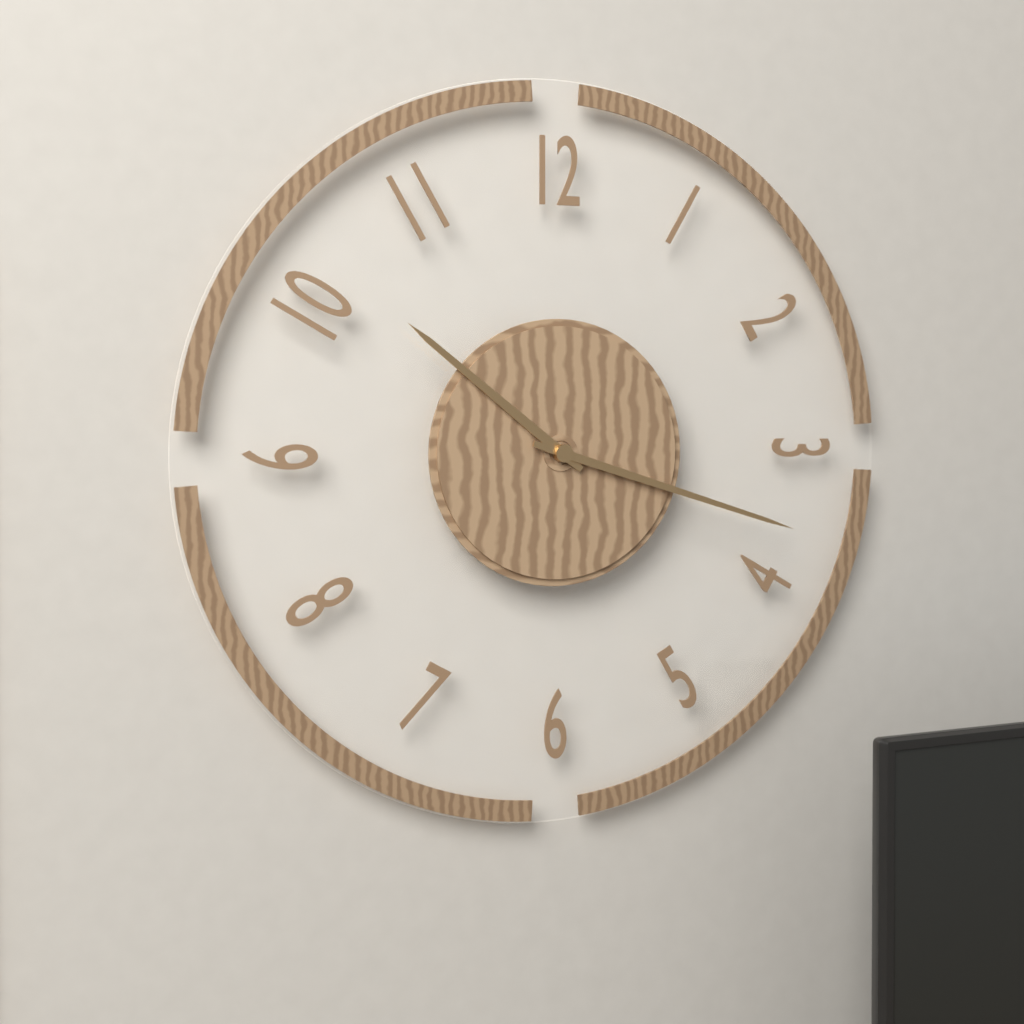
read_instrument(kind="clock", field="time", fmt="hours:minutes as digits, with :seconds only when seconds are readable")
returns 10:18
